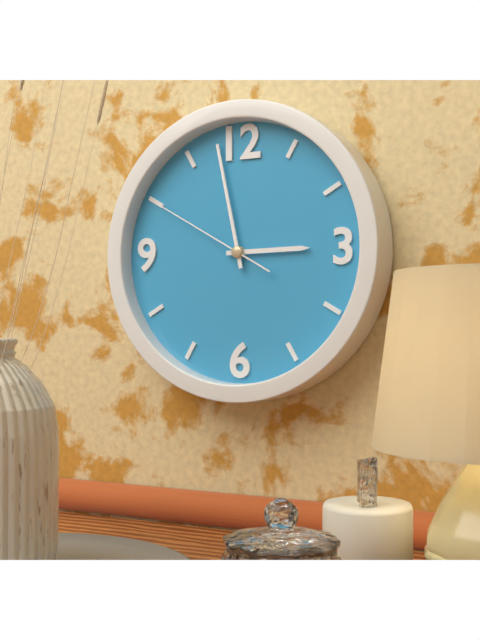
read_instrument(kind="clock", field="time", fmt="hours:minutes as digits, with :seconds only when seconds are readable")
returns 2:58:50
